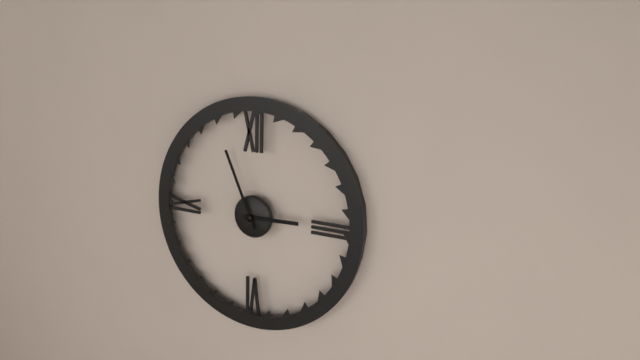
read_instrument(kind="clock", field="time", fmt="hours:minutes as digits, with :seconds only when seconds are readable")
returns 2:56
